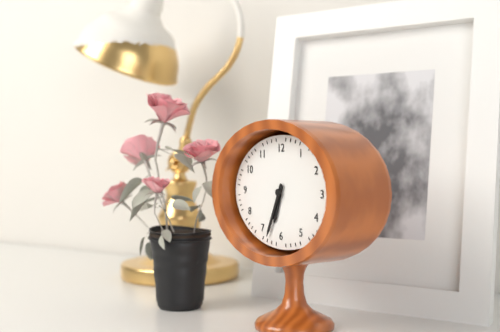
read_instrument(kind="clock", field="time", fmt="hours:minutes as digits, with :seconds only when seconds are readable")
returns 6:34
